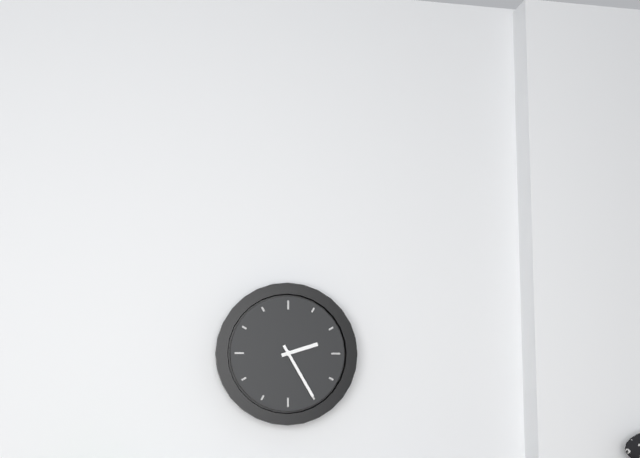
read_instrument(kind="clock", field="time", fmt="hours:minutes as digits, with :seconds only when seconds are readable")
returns 2:25
